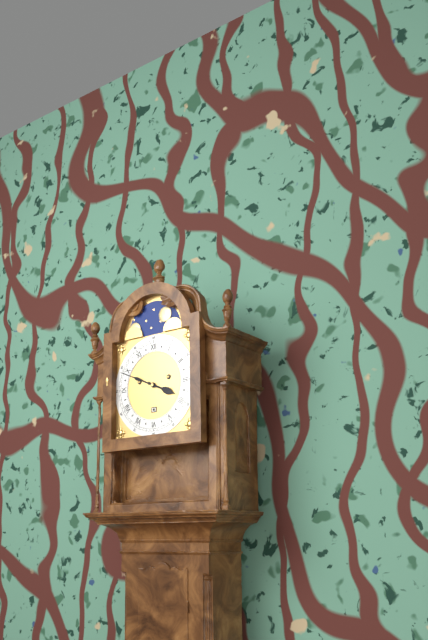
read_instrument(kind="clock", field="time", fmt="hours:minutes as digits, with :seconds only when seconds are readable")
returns 3:49
